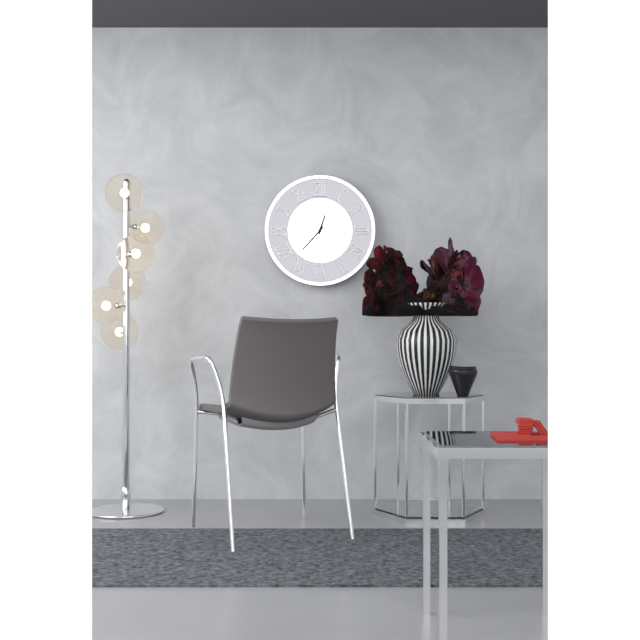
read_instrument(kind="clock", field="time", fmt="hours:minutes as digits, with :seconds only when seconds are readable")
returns 12:37
